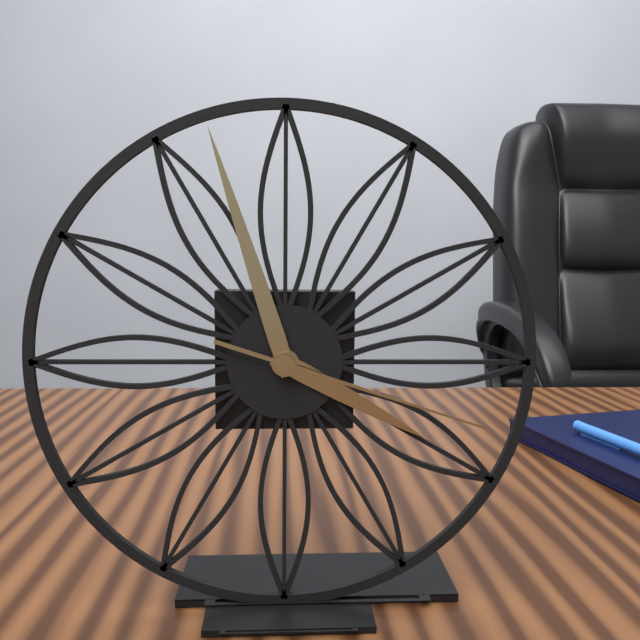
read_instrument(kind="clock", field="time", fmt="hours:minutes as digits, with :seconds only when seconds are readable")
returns 3:57:18
